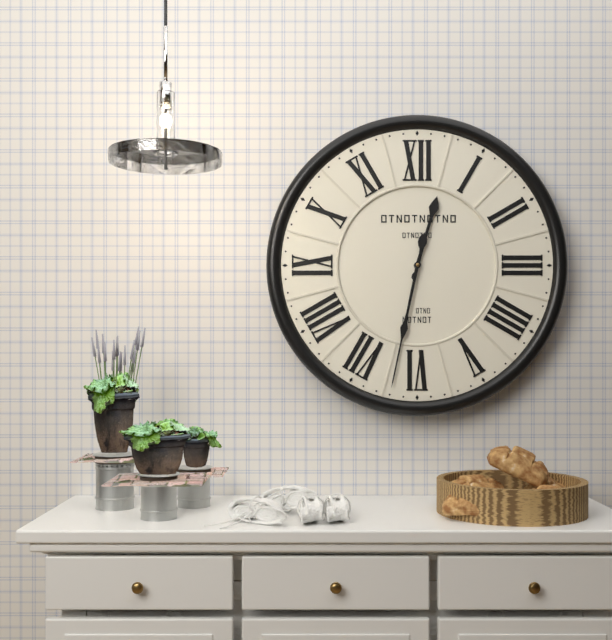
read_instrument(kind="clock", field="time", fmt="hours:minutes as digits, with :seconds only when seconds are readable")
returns 12:32
